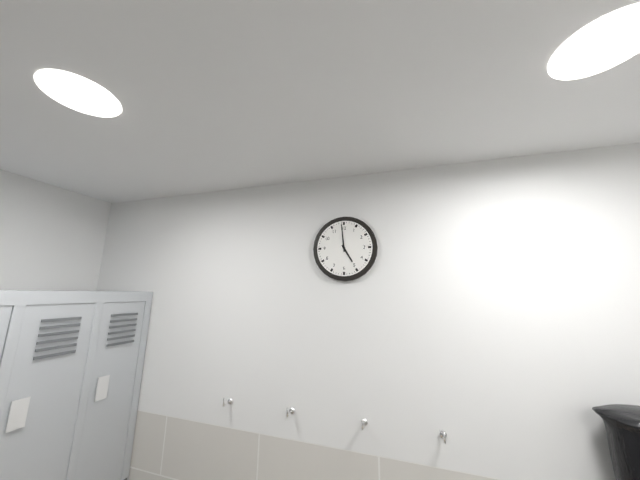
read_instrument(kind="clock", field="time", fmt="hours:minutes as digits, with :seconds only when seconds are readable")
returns 4:59
